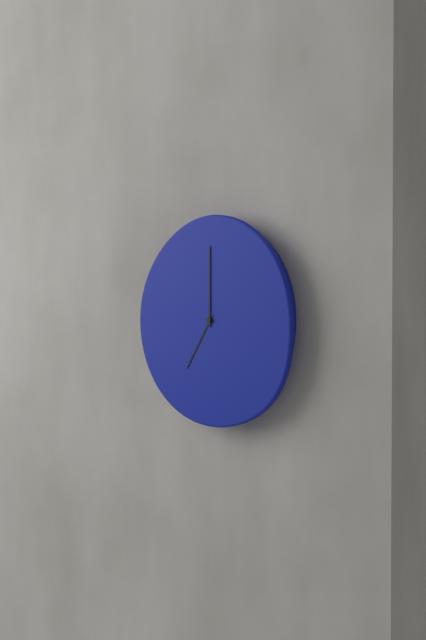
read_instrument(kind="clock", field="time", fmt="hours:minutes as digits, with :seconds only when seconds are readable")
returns 7:00
